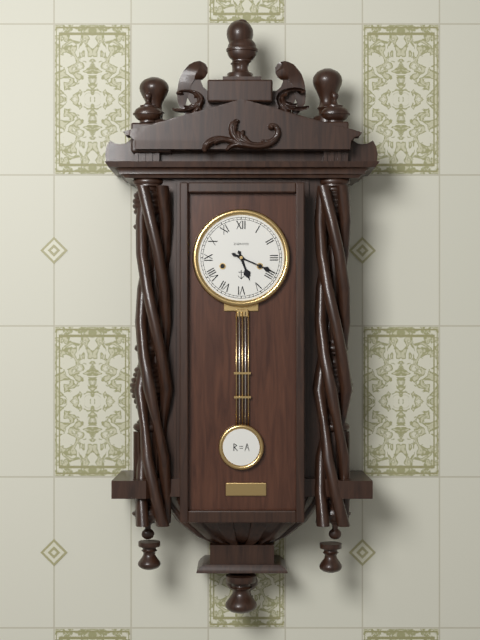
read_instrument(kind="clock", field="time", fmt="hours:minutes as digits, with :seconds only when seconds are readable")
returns 5:19
